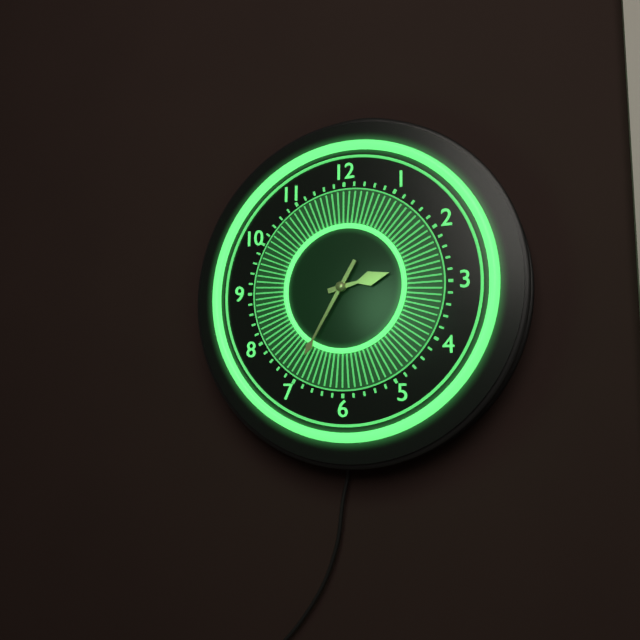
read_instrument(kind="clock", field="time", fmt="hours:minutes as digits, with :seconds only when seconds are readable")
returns 2:35
